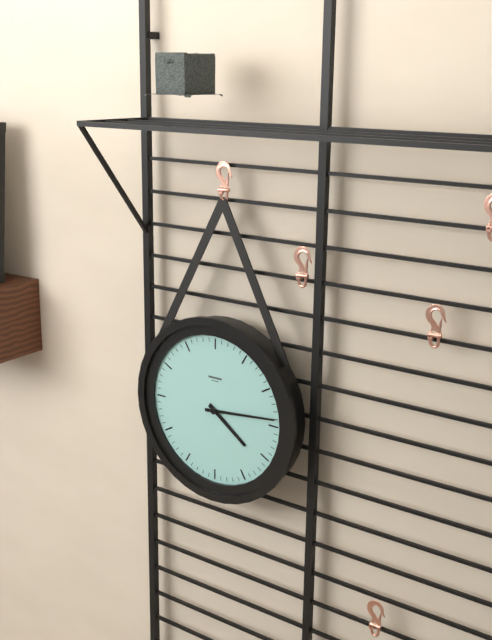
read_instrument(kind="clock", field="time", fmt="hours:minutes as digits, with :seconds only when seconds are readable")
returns 4:14
